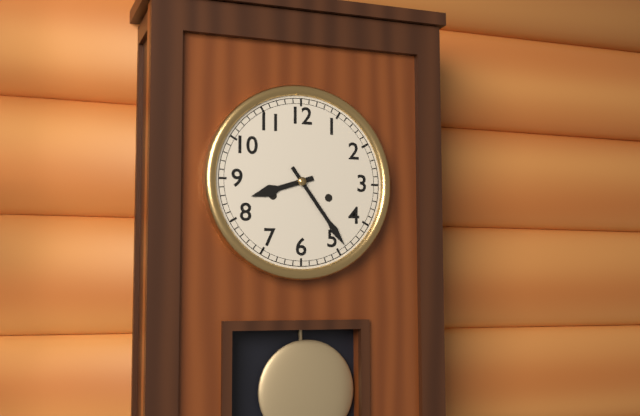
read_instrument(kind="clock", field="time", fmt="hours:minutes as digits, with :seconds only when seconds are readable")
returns 8:24
